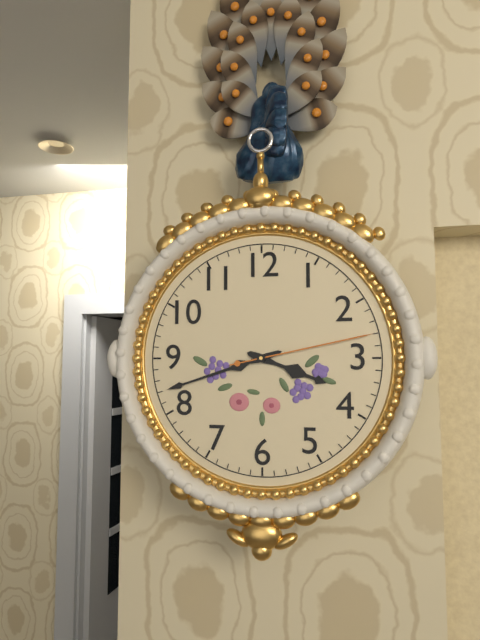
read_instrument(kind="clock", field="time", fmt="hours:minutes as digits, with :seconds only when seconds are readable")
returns 3:42:13
